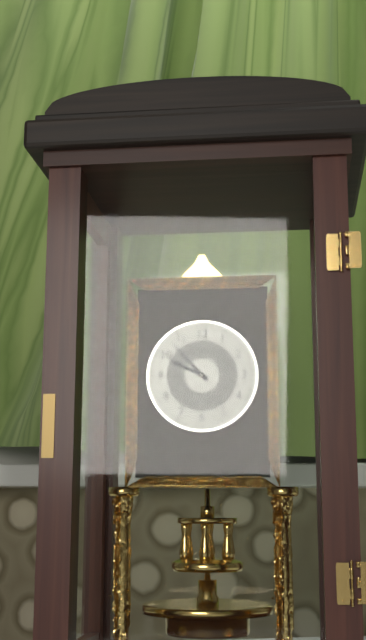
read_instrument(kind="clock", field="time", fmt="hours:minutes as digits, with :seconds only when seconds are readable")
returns 9:53
